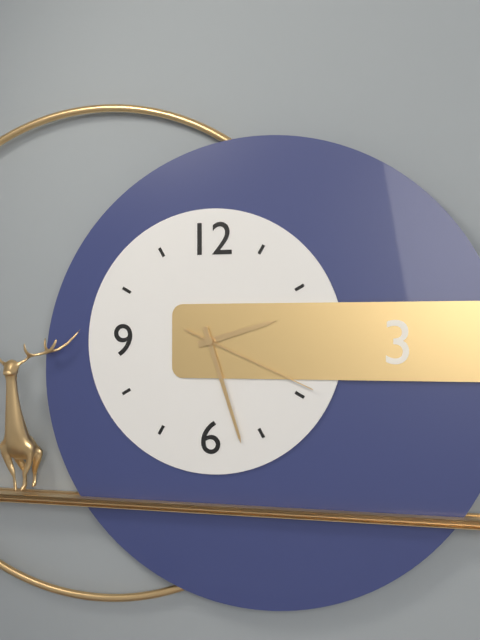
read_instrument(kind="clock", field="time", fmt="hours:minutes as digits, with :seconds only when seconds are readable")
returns 2:27:19
